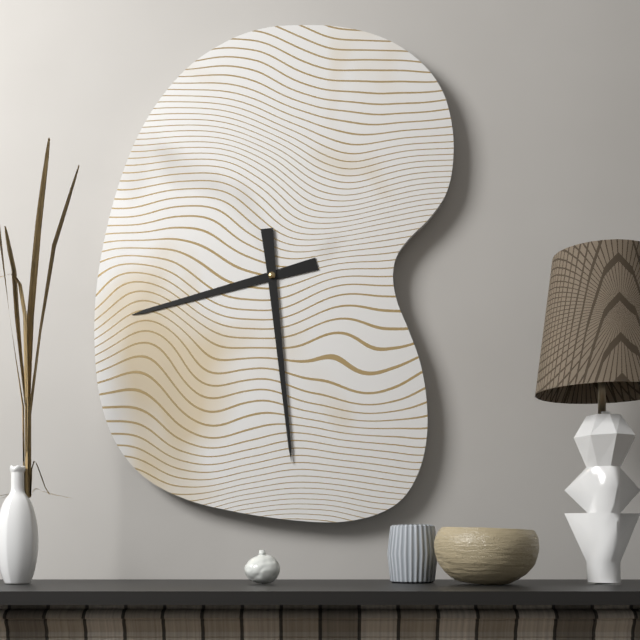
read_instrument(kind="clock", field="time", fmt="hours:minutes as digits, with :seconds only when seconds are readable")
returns 8:29
